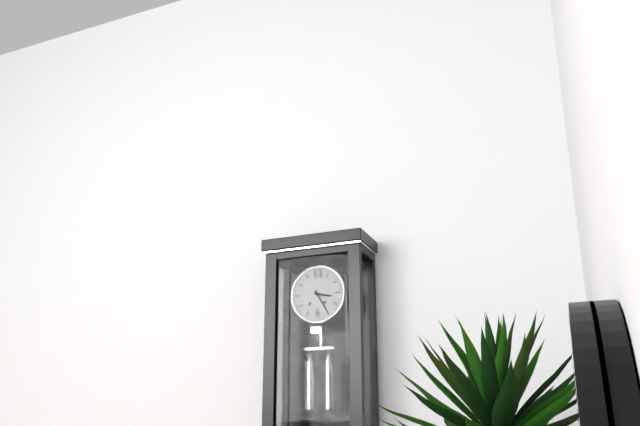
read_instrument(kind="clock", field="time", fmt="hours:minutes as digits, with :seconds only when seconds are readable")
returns 3:25
